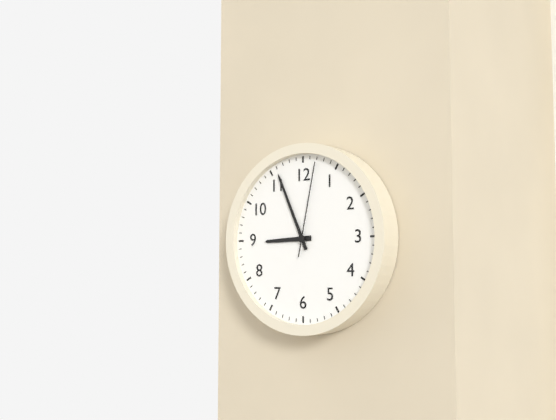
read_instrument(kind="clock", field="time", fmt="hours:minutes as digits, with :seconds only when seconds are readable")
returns 8:56:02
